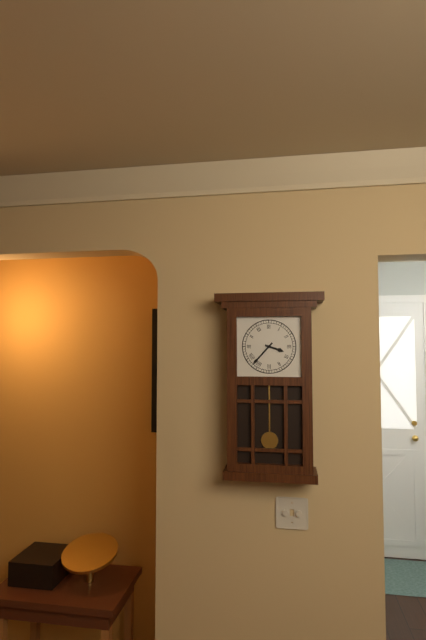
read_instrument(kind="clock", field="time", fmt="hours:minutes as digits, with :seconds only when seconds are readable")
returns 3:37
